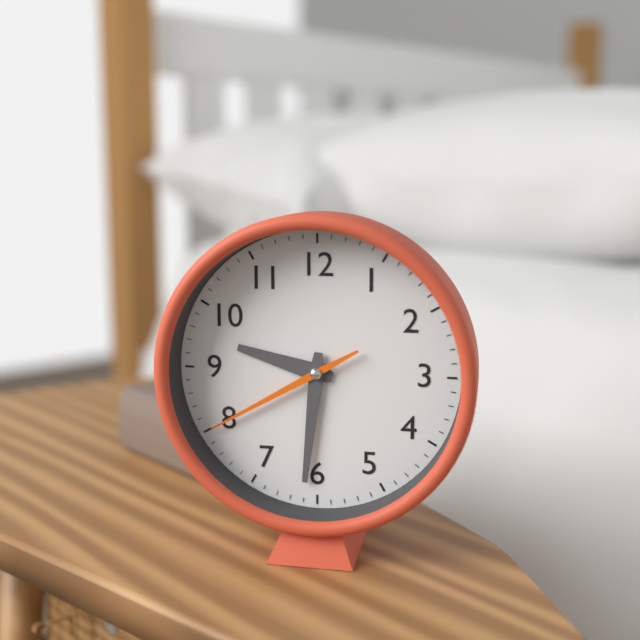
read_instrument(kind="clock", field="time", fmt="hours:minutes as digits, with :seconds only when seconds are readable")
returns 9:31:40
